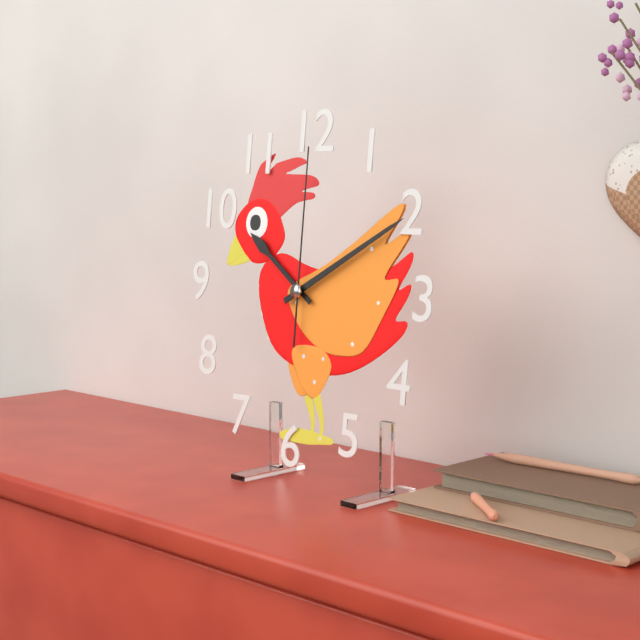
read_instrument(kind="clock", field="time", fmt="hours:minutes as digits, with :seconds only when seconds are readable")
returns 10:10:00
